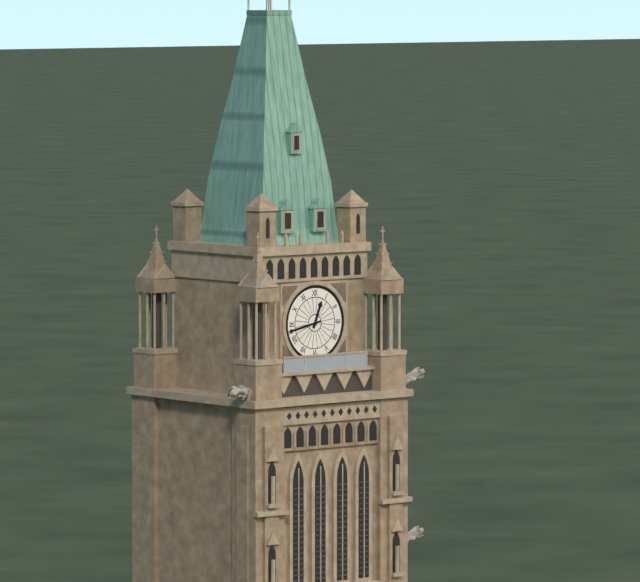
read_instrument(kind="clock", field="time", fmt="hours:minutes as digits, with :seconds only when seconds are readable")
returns 12:43
